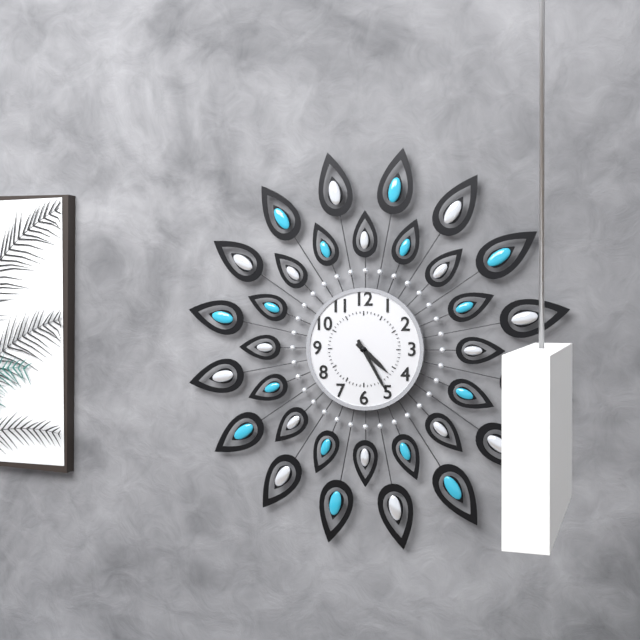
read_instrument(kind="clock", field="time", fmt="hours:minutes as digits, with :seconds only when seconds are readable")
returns 4:25
